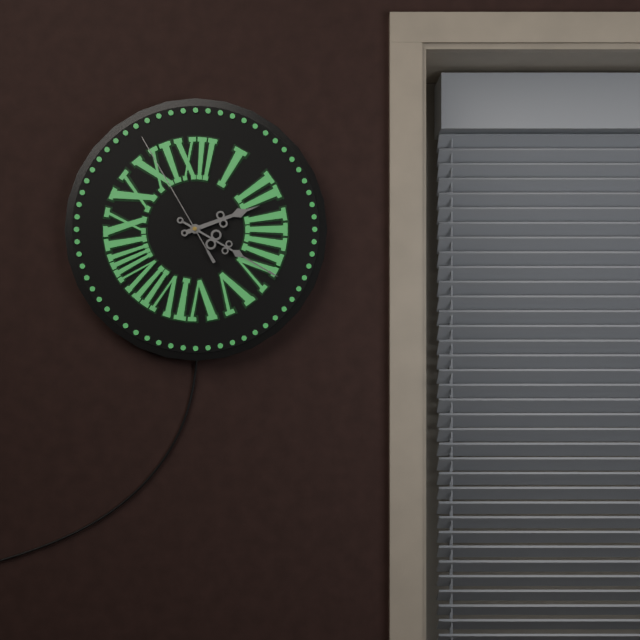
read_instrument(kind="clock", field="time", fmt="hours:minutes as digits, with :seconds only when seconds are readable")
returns 2:20:55
